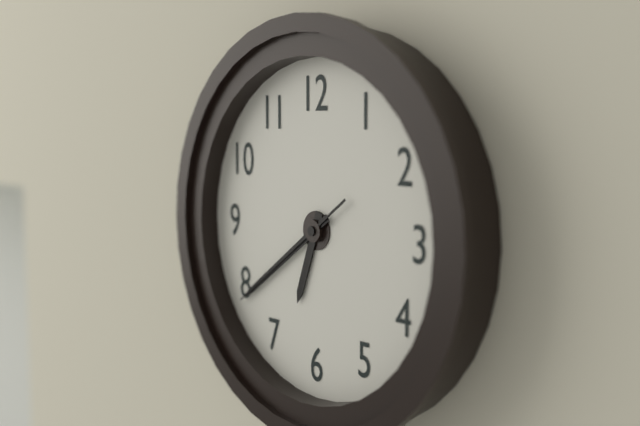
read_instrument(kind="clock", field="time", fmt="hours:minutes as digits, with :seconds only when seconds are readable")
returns 6:39:39
